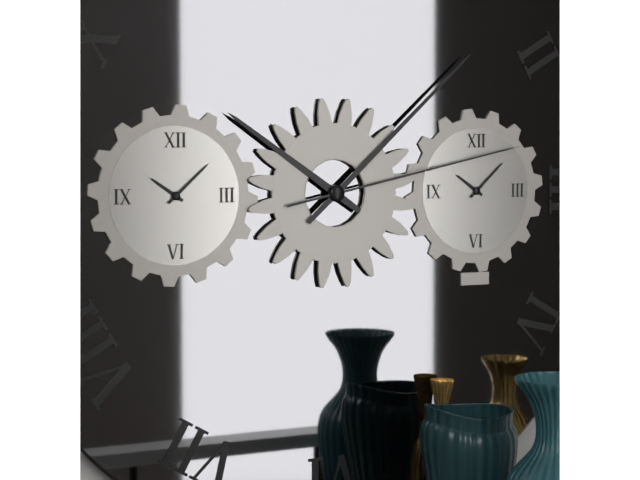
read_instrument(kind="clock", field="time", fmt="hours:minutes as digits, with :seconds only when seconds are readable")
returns 10:08:13
